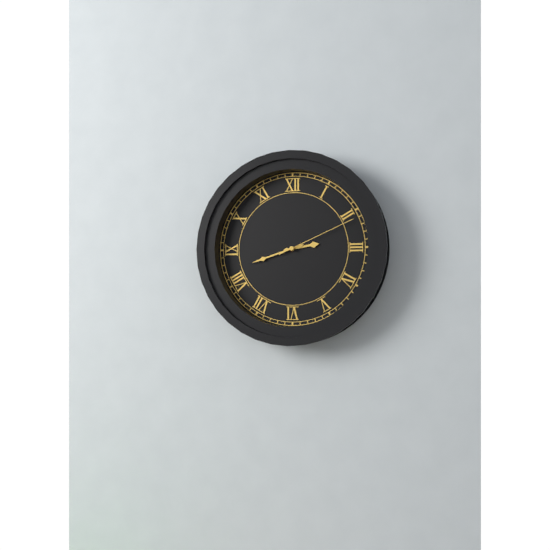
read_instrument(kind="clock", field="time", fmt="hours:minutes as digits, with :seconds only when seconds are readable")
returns 2:42:11
